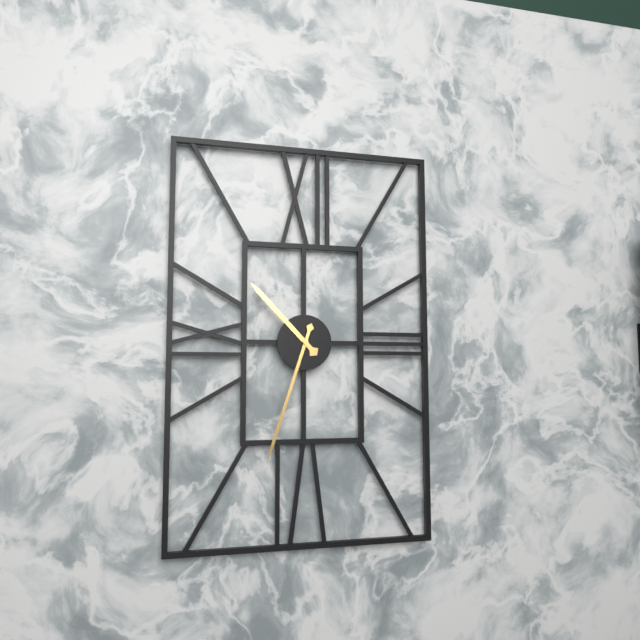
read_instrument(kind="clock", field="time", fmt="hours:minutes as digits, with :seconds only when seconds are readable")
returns 10:33
